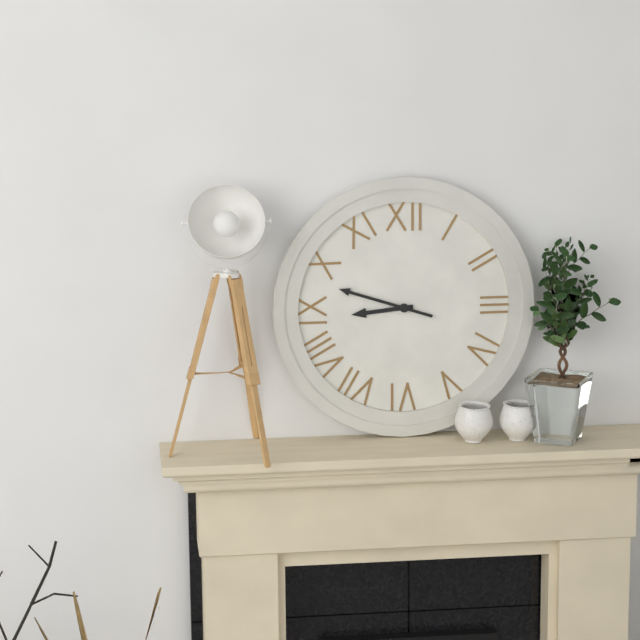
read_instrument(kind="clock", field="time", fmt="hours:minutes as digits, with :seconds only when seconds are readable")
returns 8:48
